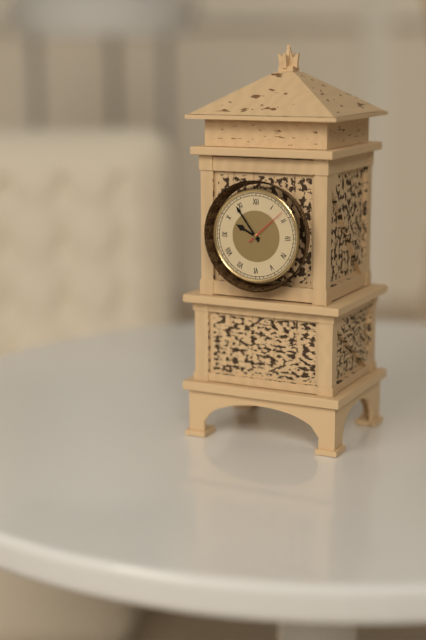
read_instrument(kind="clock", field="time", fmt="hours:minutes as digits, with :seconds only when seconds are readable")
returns 9:54
